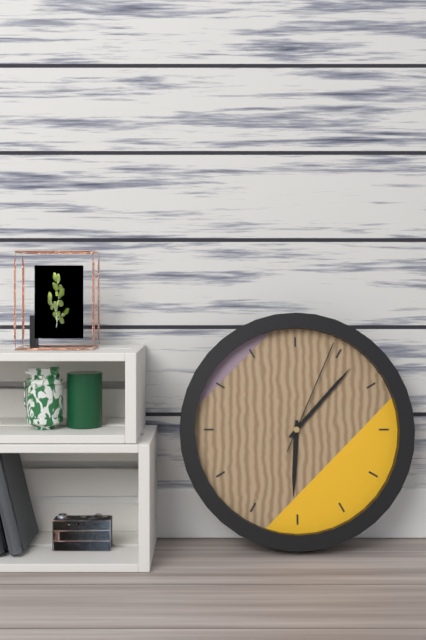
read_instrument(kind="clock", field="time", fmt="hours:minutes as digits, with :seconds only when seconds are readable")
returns 6:07:04
